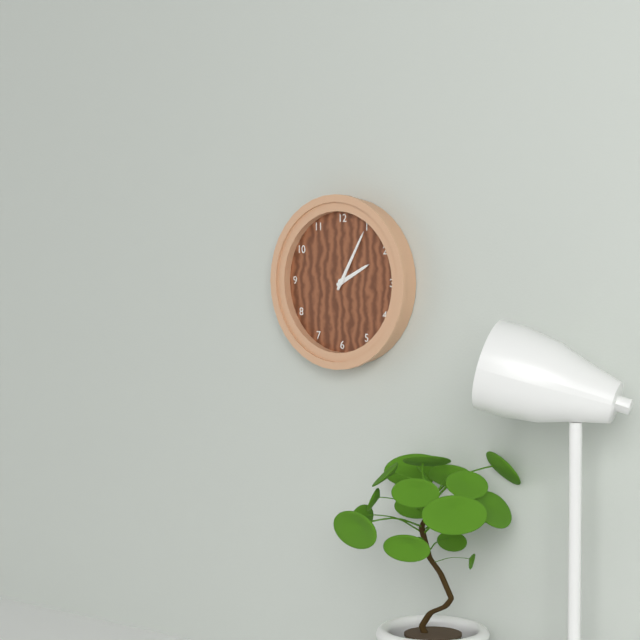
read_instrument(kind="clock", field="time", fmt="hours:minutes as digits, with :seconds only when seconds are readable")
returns 2:05
